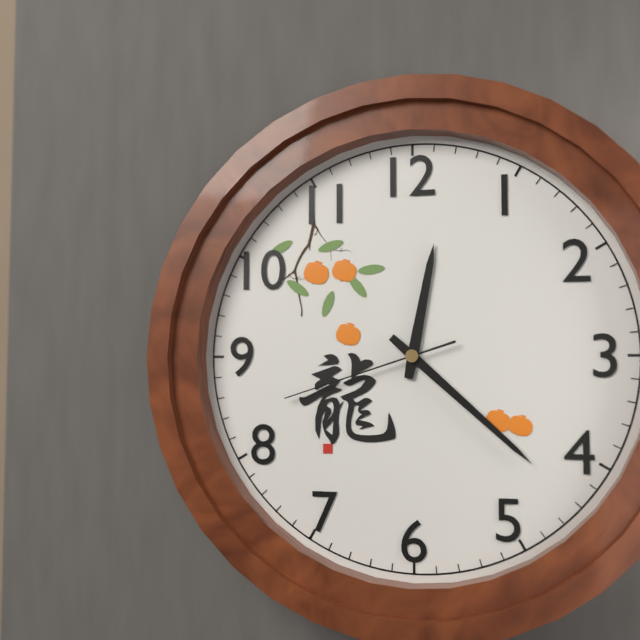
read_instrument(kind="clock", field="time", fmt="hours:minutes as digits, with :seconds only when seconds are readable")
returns 12:22:42
